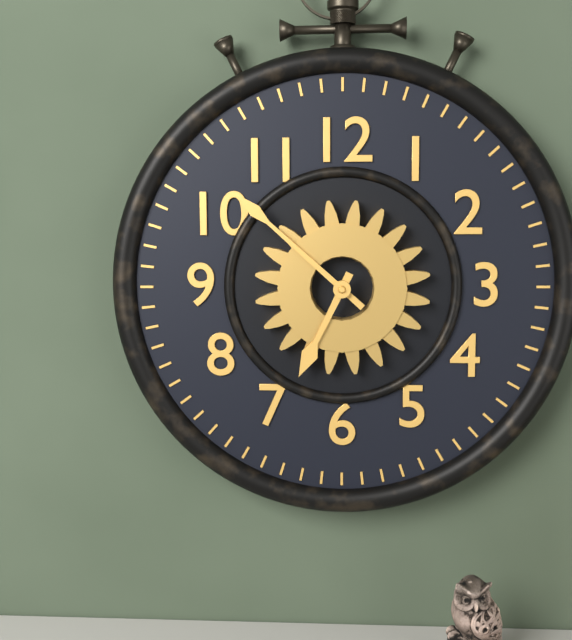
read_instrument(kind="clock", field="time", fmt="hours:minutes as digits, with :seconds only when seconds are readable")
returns 6:52
